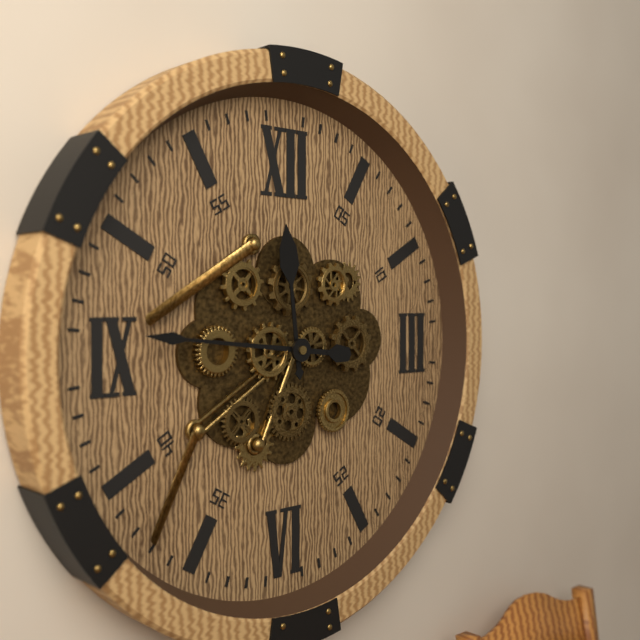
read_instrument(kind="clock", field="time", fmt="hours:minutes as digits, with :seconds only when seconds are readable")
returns 11:46
